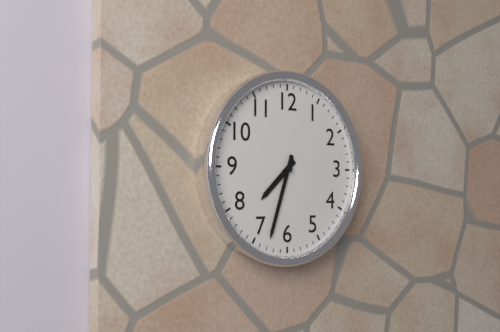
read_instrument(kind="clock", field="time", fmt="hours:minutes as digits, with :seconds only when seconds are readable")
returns 7:33
